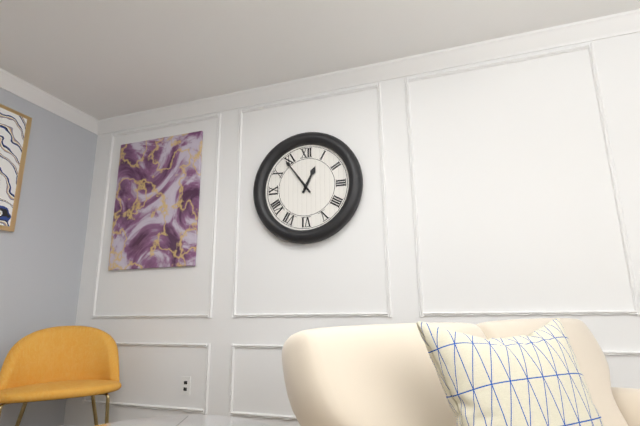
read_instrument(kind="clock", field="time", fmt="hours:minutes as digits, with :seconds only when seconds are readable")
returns 12:54
